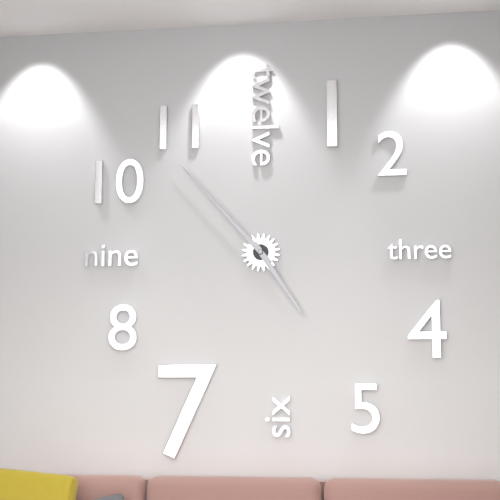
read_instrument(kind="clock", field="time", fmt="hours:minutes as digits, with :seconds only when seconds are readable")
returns 4:53
